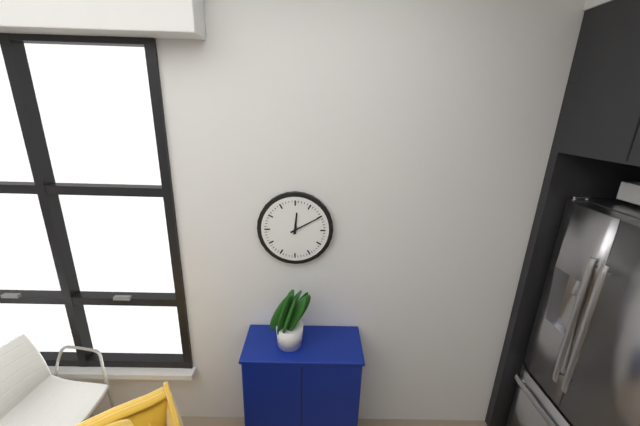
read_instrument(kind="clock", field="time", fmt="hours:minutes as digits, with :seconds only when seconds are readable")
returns 12:10
